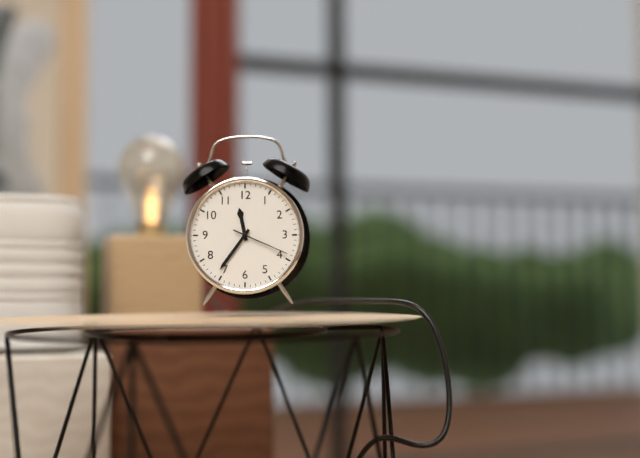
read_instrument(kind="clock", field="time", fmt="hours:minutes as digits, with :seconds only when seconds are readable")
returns 11:36:19
